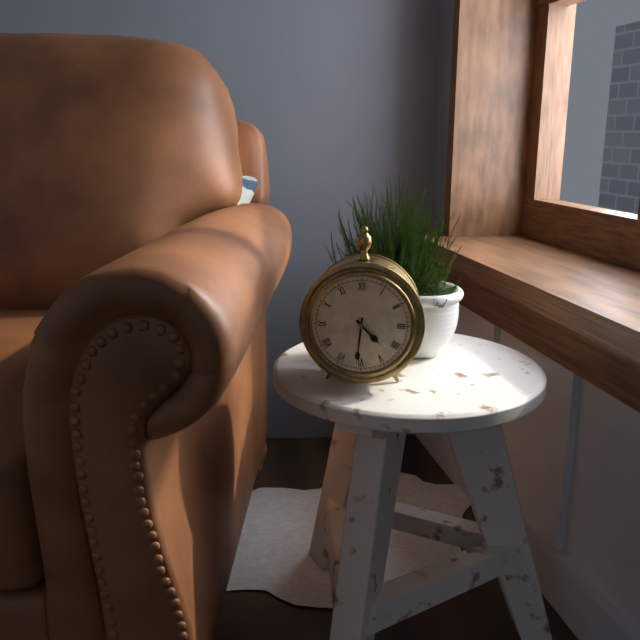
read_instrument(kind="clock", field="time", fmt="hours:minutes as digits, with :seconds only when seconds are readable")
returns 4:31
